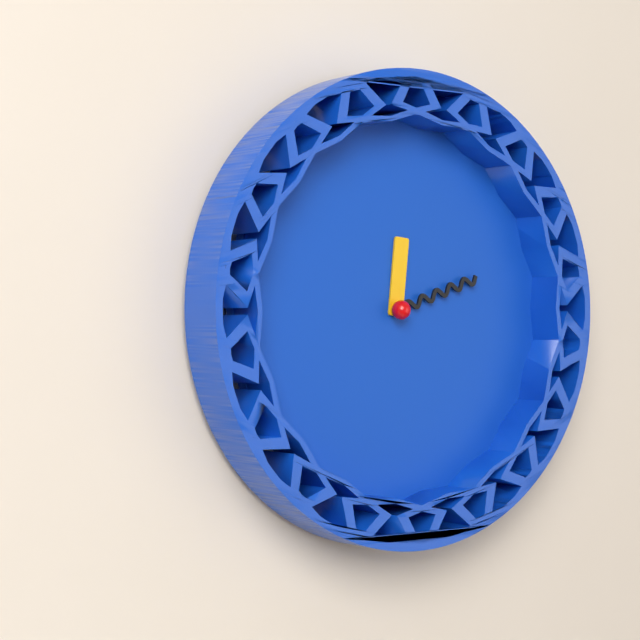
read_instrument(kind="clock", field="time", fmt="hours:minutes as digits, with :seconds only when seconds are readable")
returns 12:12
